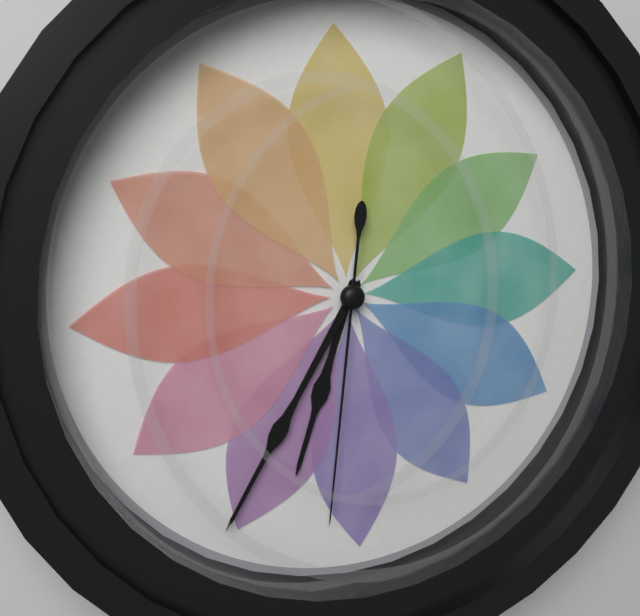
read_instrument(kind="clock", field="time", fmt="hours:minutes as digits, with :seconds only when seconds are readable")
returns 6:35:31
